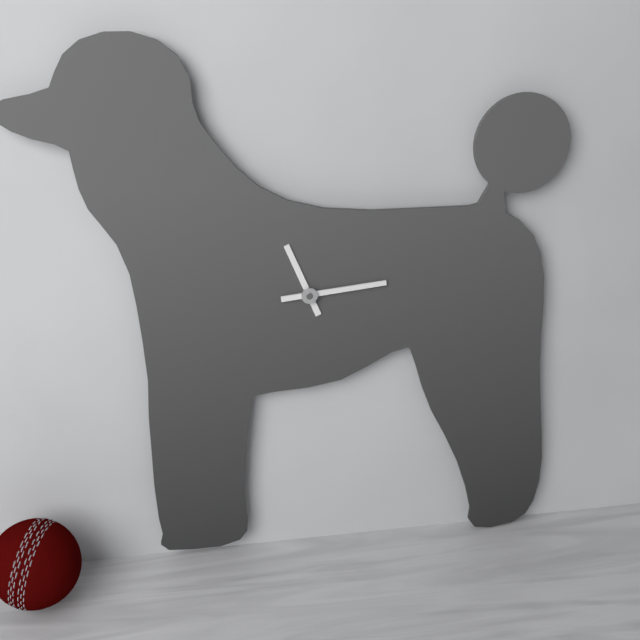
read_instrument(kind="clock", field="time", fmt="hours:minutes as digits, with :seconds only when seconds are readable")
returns 11:14
